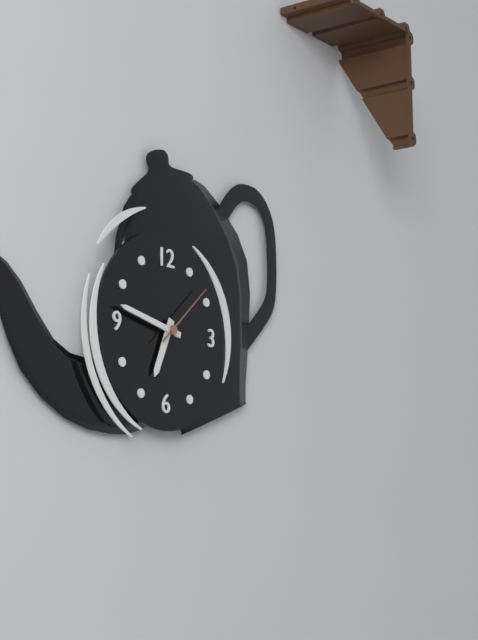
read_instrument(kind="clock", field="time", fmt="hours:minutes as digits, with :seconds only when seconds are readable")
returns 6:47:08
